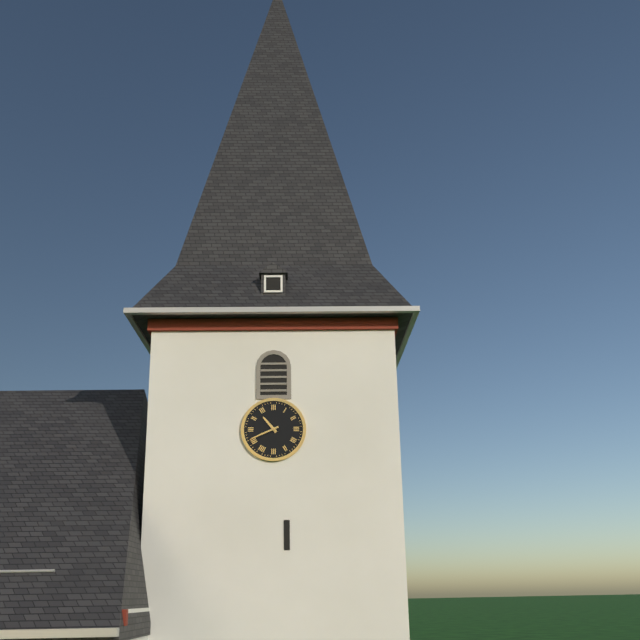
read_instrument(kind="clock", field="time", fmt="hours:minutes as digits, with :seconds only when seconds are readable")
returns 10:41
